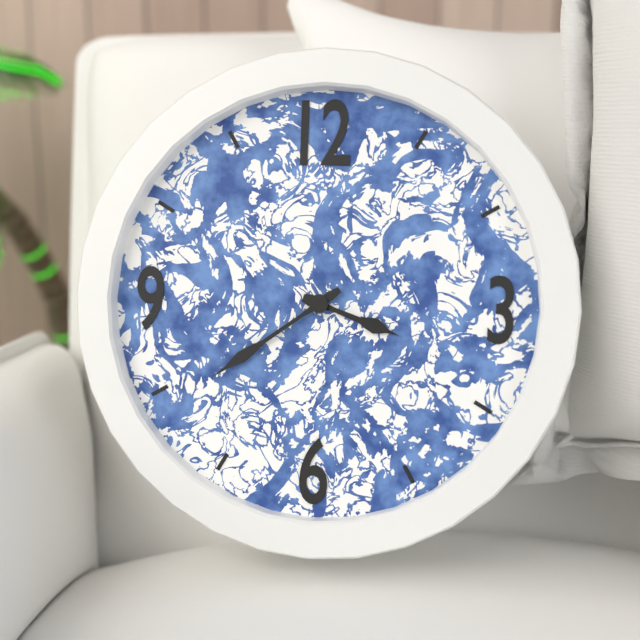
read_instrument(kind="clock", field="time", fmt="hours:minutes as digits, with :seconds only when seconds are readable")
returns 3:39
